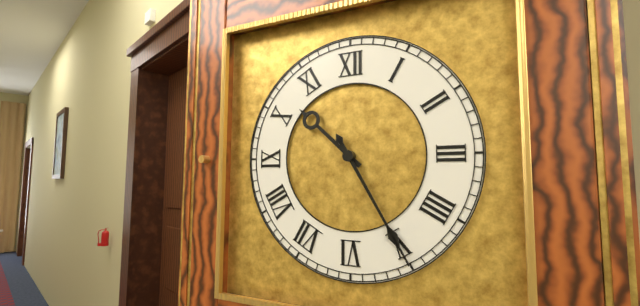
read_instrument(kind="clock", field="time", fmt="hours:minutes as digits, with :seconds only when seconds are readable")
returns 10:25
